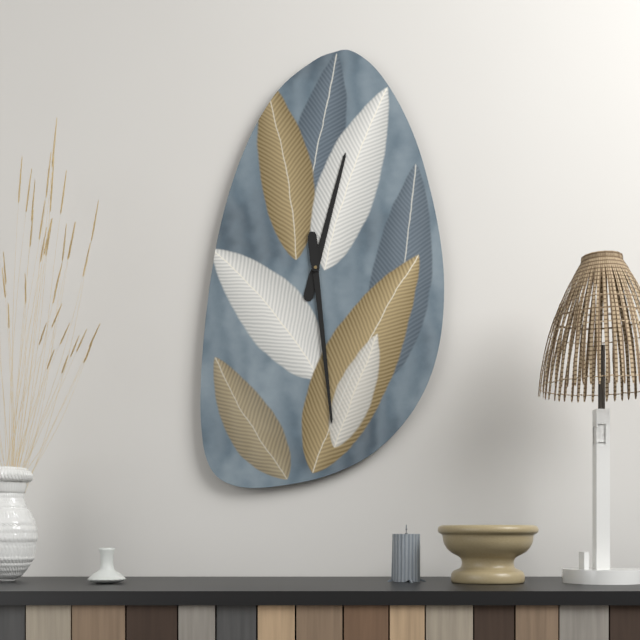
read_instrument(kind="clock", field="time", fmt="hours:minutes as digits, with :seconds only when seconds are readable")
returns 12:29
